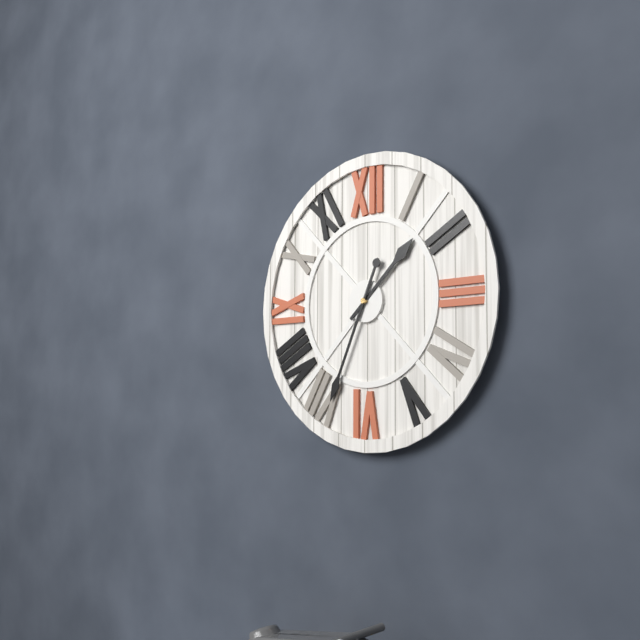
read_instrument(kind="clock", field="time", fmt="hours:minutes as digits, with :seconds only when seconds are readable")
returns 1:34
